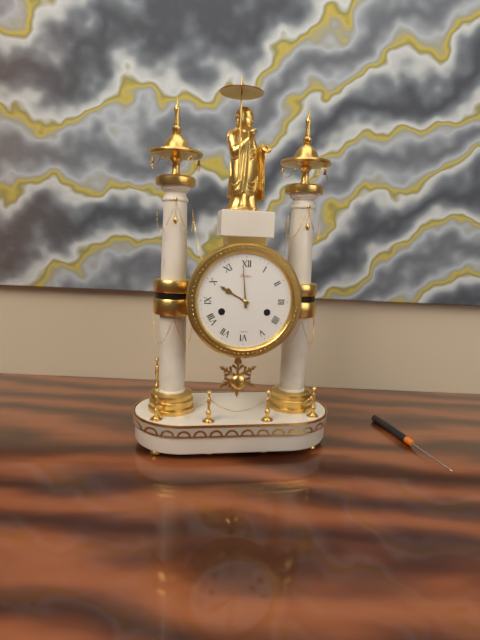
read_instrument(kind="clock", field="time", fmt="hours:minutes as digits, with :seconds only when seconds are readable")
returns 9:59
